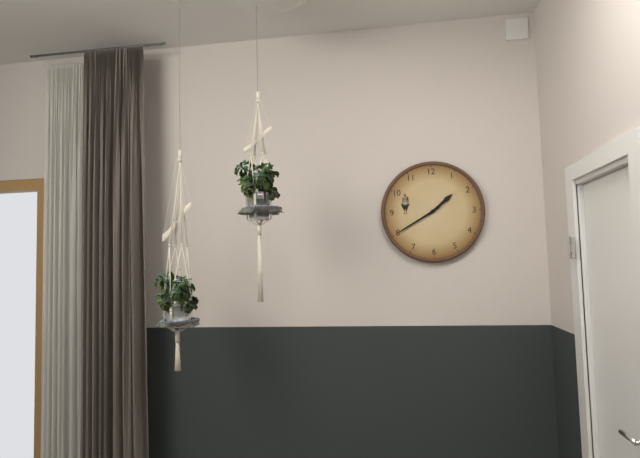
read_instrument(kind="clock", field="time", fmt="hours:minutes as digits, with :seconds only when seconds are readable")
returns 1:40
